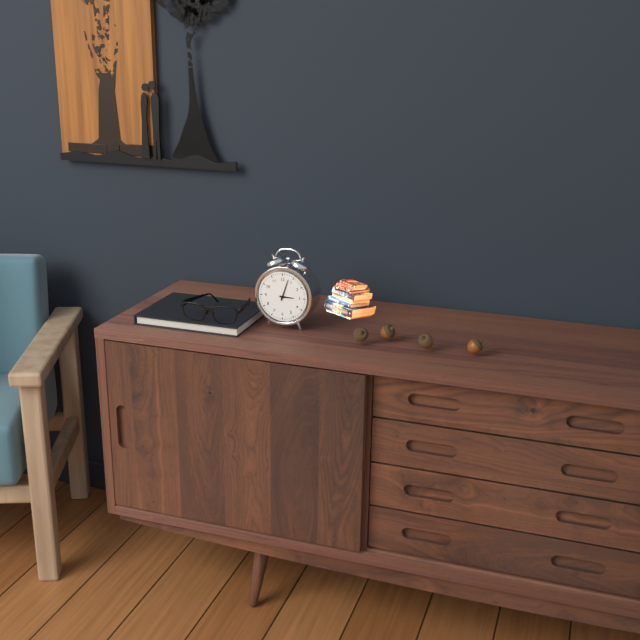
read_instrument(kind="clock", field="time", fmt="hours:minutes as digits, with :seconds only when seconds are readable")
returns 3:03
